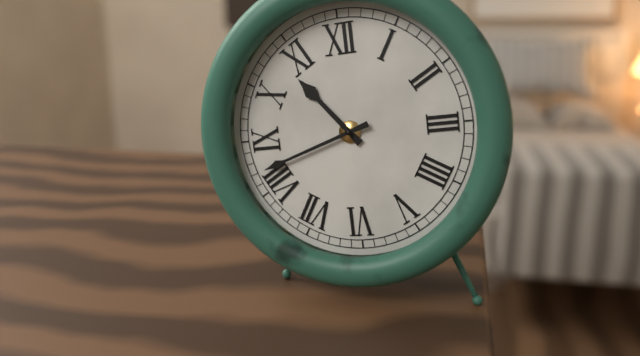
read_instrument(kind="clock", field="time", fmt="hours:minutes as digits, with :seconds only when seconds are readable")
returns 10:42
